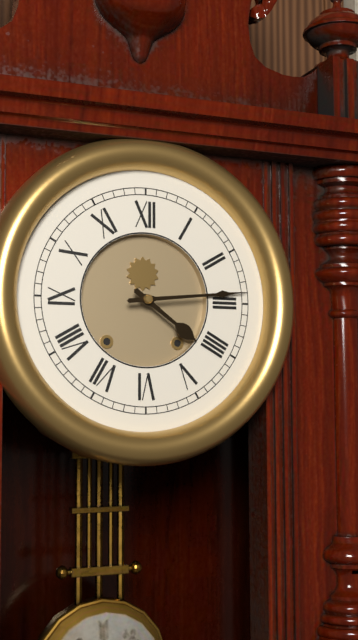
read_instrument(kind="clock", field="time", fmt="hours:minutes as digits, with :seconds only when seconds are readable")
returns 4:14
